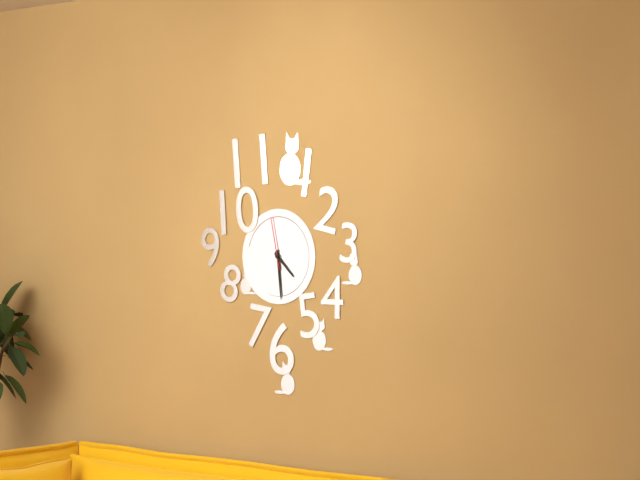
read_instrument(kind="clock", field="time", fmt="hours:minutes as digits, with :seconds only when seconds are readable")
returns 4:29:58
